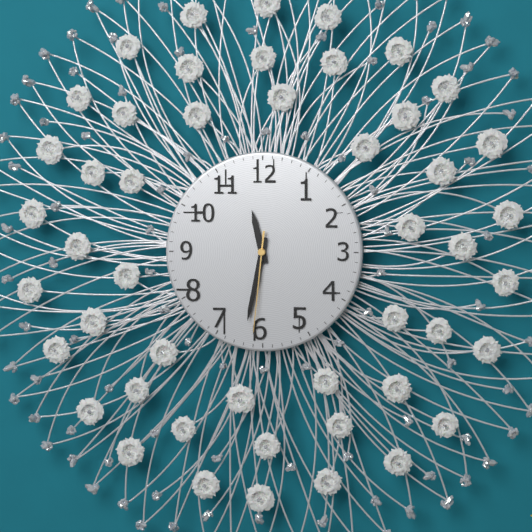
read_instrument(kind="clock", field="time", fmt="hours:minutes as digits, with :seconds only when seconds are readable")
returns 11:32:31
